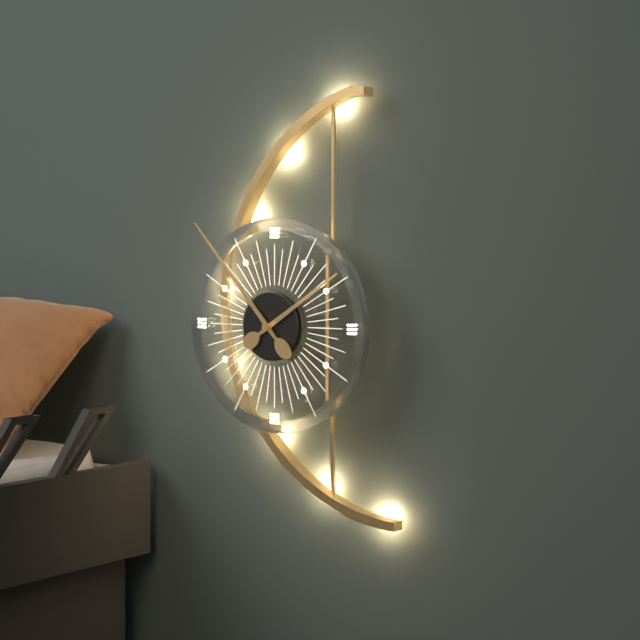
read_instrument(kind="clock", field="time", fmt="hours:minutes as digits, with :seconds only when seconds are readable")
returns 1:53
